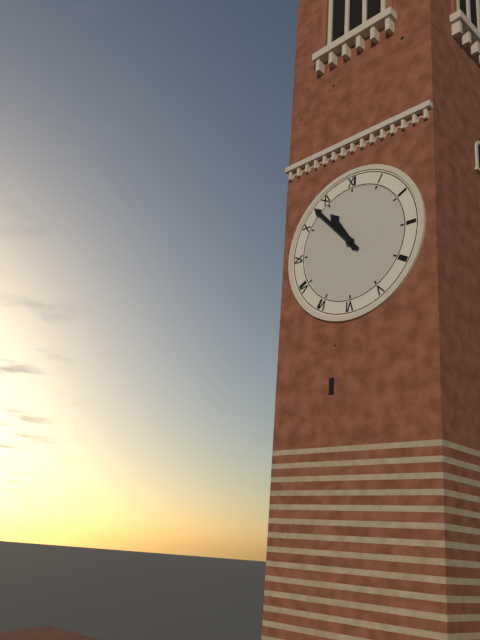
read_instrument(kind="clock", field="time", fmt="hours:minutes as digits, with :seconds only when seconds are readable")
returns 10:53
